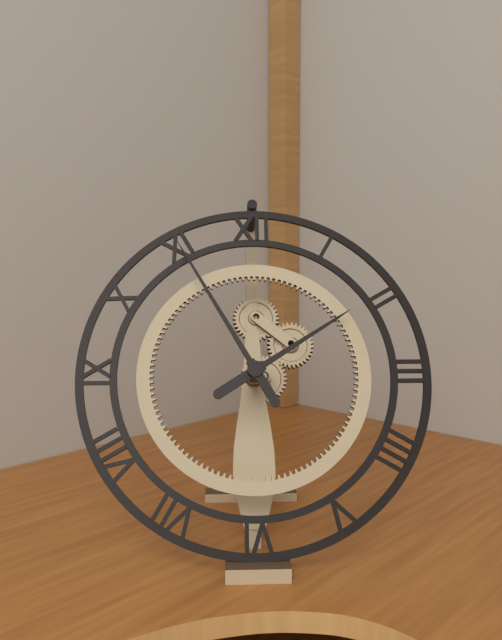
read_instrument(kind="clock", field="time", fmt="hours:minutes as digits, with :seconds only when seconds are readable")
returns 1:55
